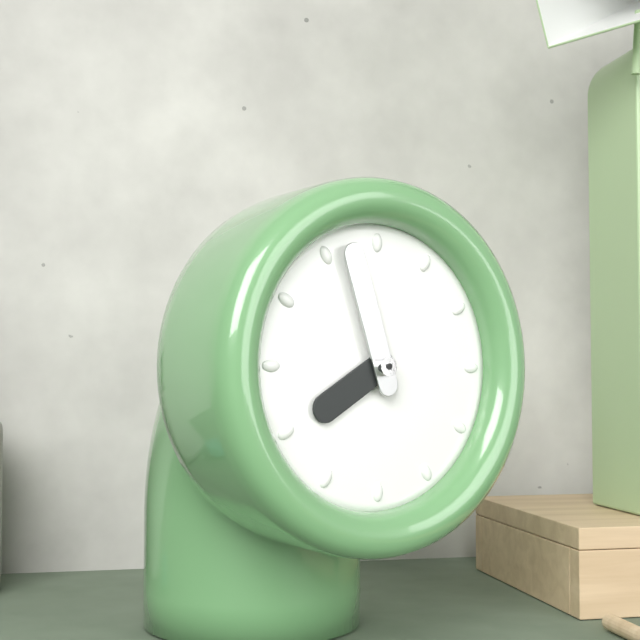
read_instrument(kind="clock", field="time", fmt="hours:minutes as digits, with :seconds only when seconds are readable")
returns 7:57
